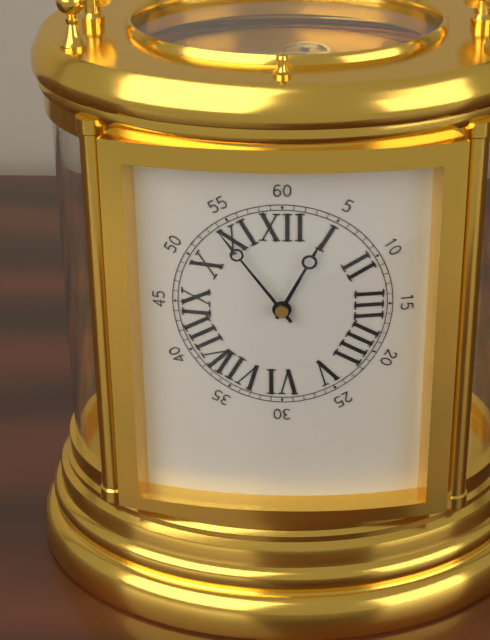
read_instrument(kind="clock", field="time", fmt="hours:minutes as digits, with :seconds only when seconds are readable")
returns 12:54
